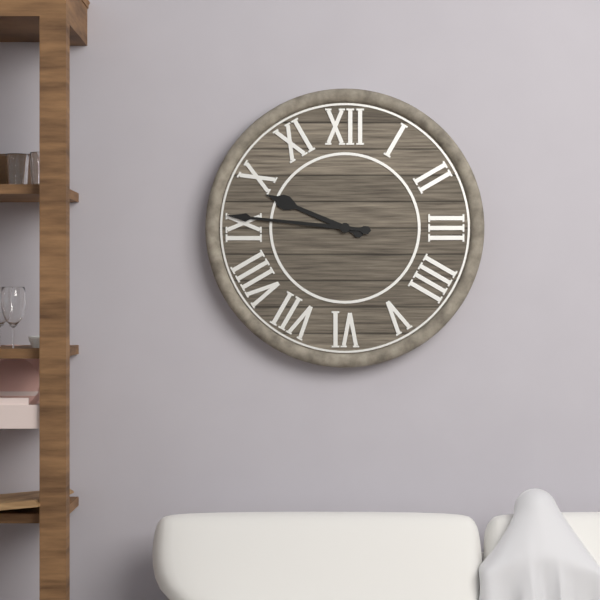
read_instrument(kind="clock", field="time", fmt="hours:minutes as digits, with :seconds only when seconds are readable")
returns 9:46
